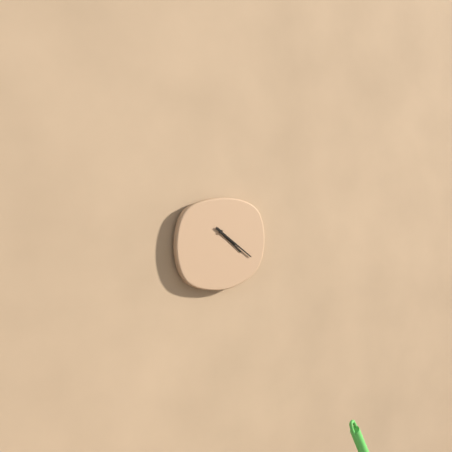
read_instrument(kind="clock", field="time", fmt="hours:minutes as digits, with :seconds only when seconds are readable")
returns 4:21
